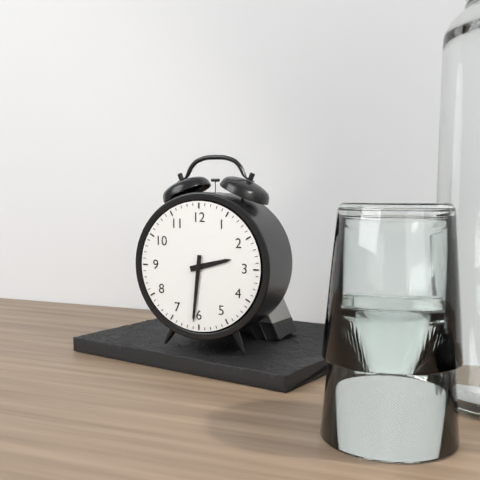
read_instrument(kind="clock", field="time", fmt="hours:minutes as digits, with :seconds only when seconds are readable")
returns 2:31
